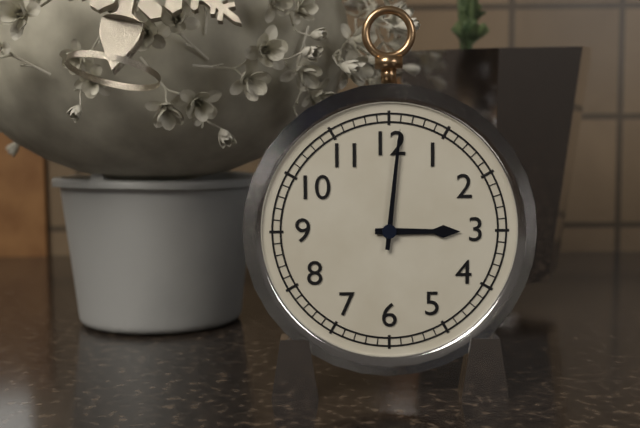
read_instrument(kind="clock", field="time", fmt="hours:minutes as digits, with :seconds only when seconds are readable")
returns 3:01
